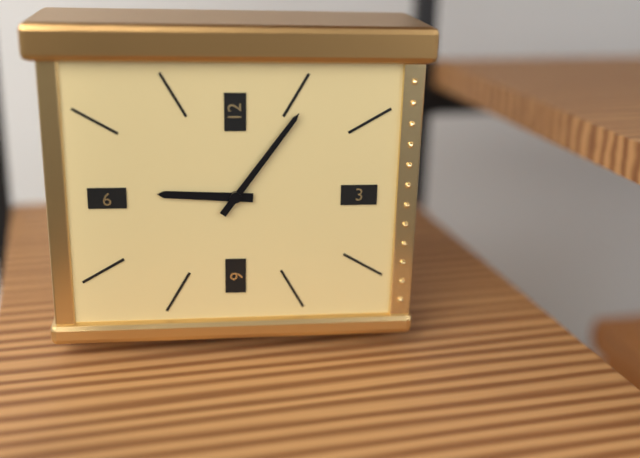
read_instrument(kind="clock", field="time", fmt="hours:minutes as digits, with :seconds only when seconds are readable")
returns 9:06
